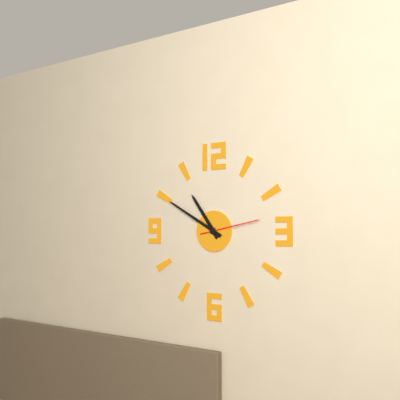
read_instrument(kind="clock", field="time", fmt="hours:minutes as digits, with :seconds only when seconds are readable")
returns 10:50:13
